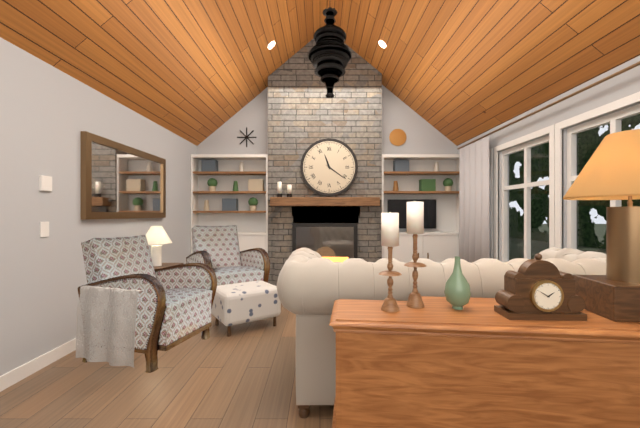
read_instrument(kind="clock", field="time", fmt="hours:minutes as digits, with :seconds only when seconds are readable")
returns 11:21
